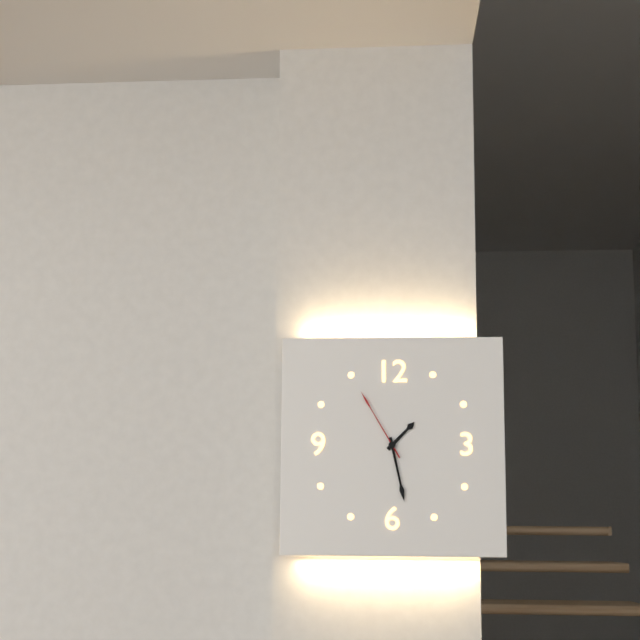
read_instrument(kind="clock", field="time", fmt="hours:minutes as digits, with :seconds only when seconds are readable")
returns 1:28:55
